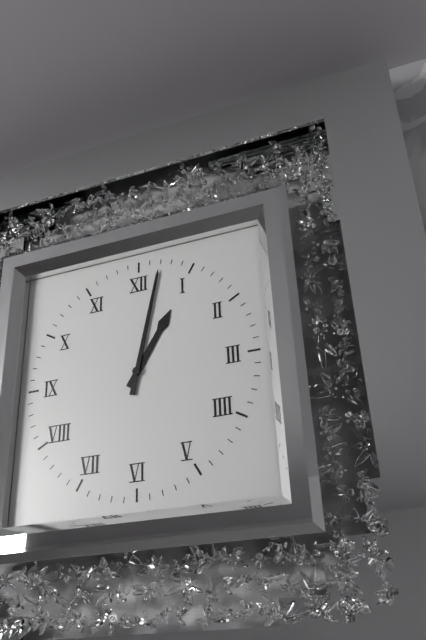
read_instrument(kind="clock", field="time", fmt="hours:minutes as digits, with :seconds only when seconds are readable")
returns 1:02
